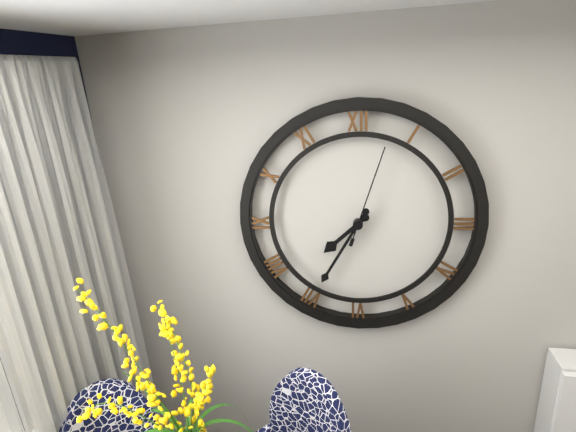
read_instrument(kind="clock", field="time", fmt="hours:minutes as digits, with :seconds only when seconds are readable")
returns 7:35:03
